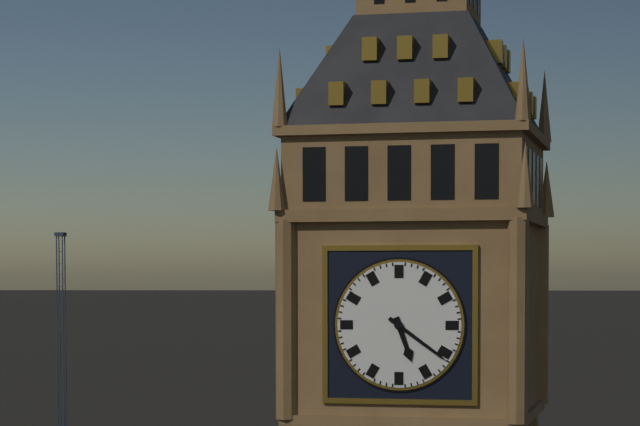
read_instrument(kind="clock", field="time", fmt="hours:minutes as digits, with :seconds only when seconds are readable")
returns 5:21
